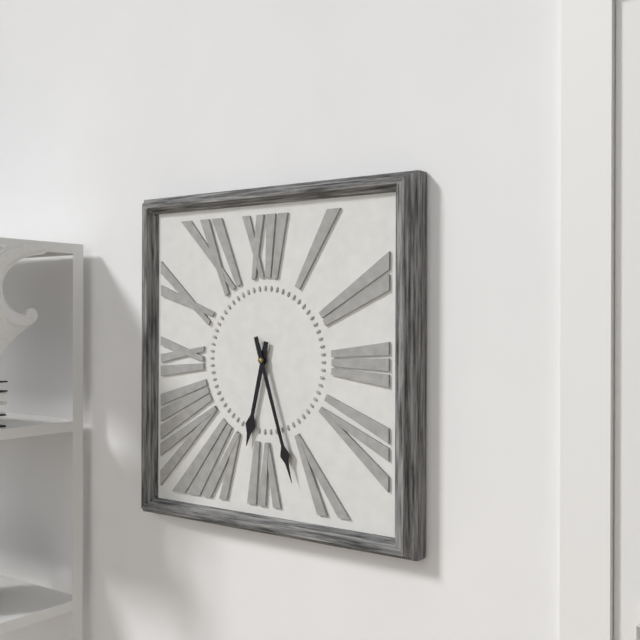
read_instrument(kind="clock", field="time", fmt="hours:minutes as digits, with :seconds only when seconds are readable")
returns 6:27
